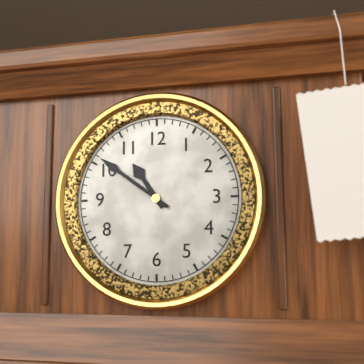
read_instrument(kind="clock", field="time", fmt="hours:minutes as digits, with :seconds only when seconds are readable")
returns 10:51
